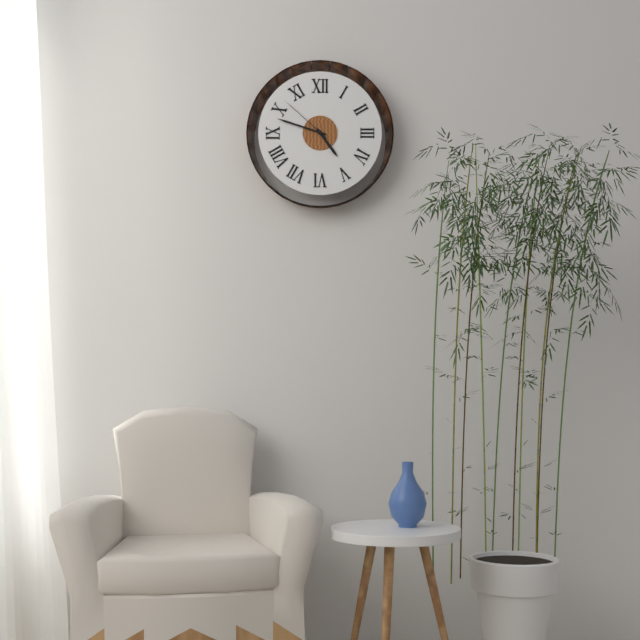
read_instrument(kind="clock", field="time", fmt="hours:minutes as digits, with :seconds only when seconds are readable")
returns 4:48:52
